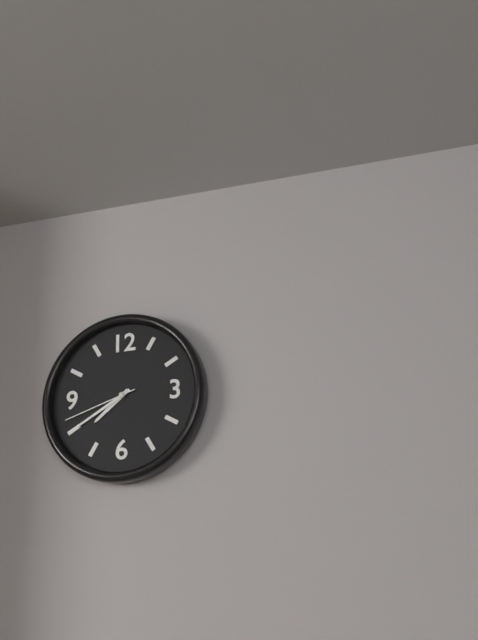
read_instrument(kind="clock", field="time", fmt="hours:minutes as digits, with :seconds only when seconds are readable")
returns 7:40:42
